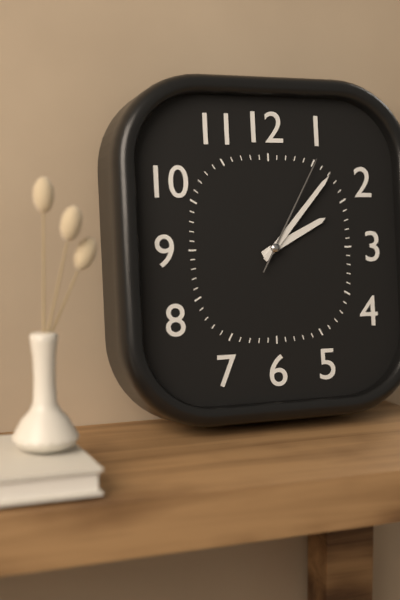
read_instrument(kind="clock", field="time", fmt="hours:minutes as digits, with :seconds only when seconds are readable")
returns 2:07:05
